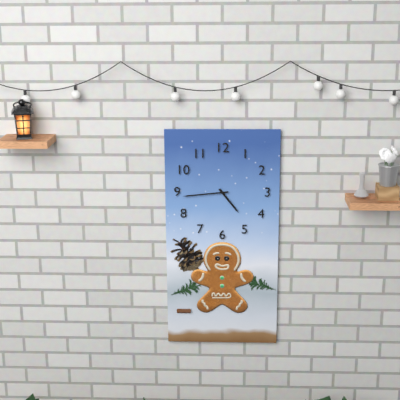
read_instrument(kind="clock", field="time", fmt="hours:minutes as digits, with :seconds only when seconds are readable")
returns 4:44
